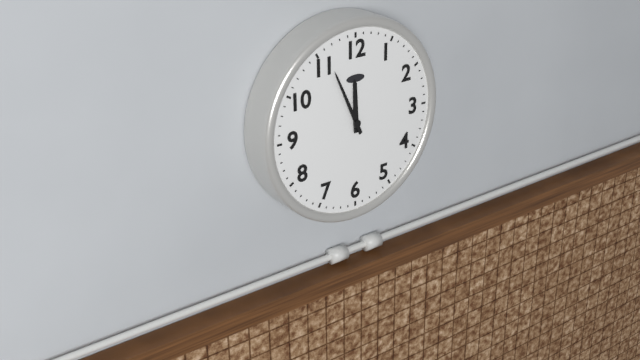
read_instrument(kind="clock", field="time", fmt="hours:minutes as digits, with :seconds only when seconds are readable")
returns 11:56
